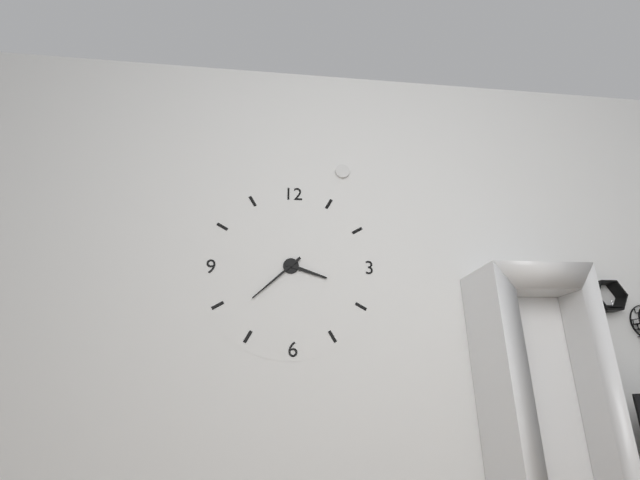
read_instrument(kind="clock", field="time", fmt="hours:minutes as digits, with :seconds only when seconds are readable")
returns 3:38
